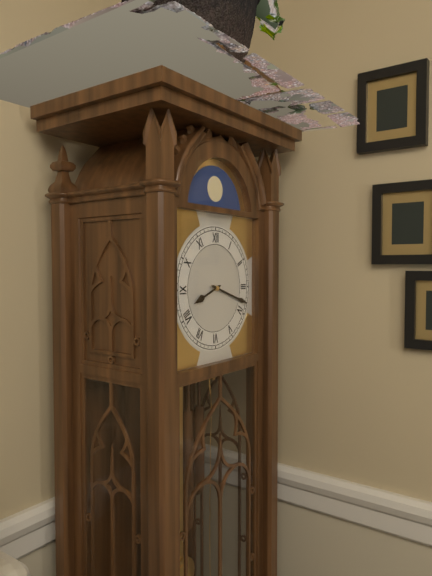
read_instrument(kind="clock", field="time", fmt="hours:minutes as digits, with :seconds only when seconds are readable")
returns 8:18
